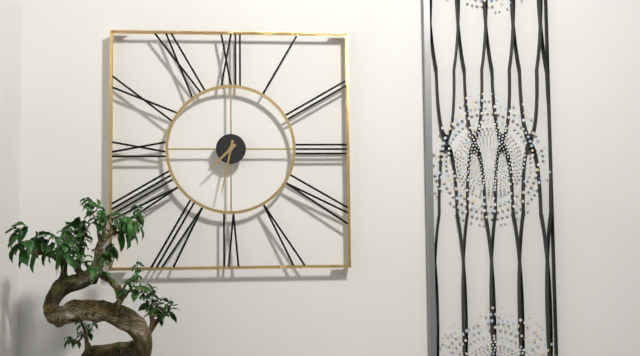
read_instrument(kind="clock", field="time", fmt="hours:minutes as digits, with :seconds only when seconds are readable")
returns 7:32
